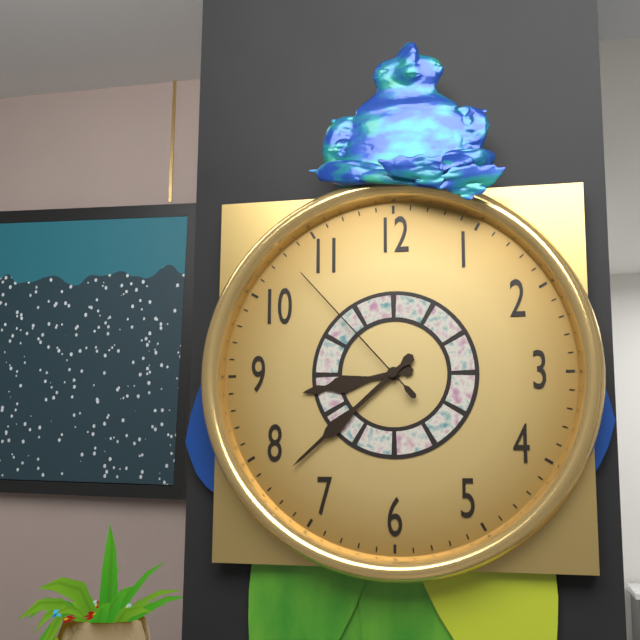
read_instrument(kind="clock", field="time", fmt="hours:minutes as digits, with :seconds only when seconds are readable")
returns 8:38:53
